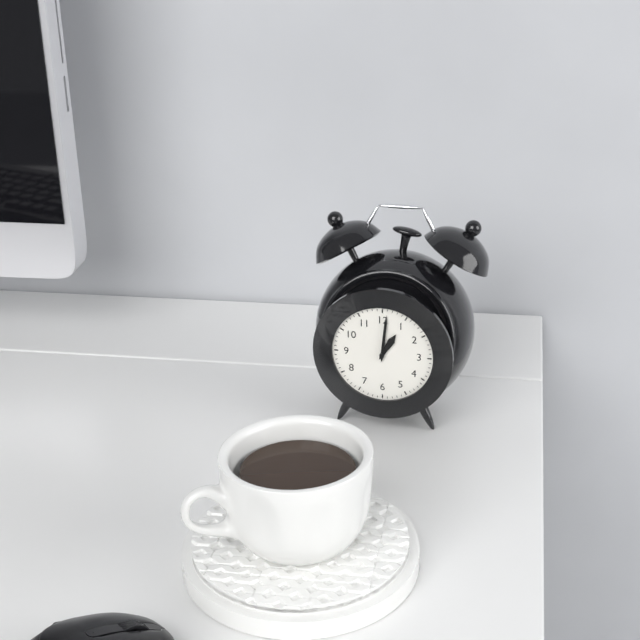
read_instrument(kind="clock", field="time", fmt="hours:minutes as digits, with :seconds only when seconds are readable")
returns 1:01
